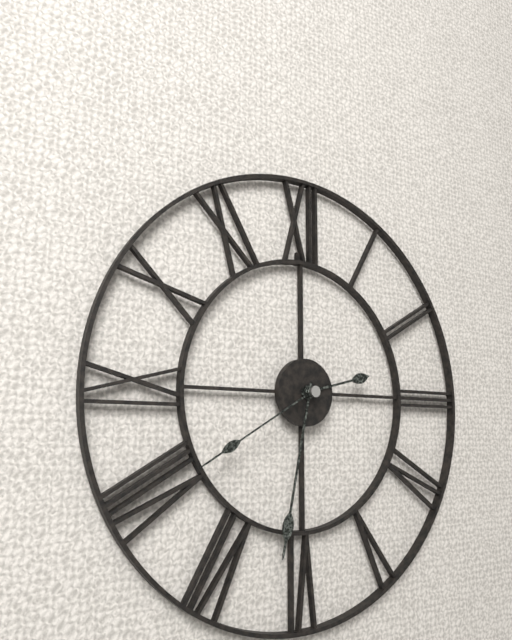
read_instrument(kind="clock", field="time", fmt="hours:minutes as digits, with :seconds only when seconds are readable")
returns 2:32:40
